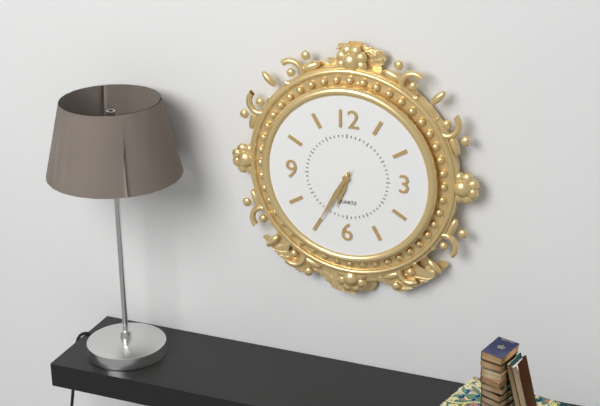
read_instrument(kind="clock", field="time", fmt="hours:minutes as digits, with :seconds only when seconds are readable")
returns 6:35
